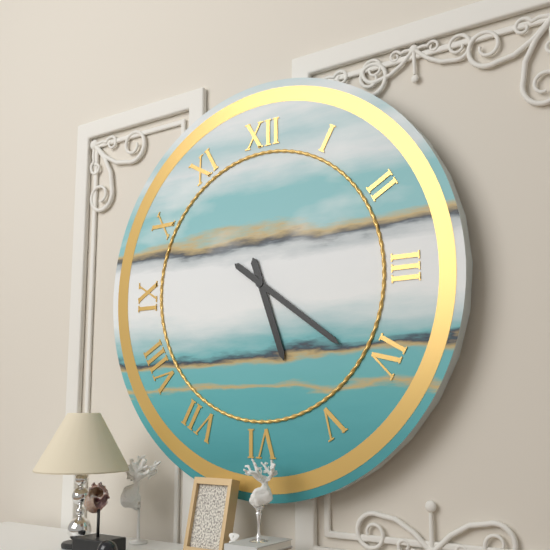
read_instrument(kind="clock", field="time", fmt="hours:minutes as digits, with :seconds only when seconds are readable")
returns 5:21
